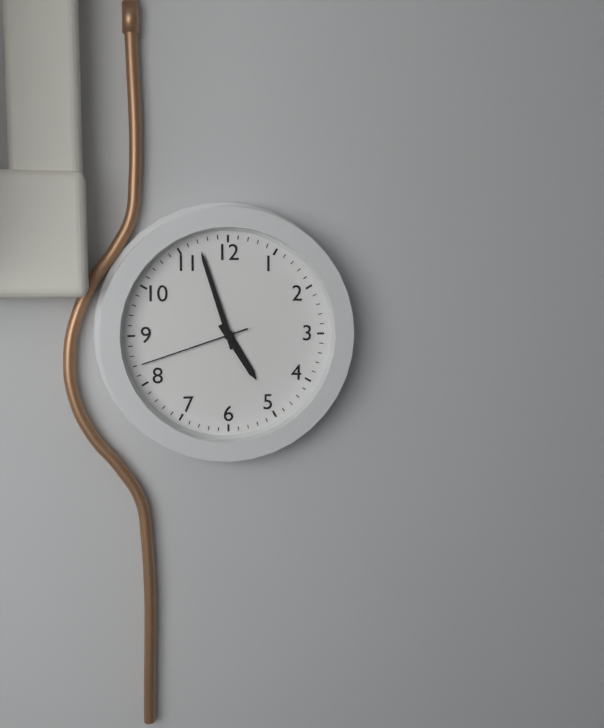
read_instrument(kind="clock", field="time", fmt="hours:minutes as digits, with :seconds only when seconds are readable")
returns 4:57:42
